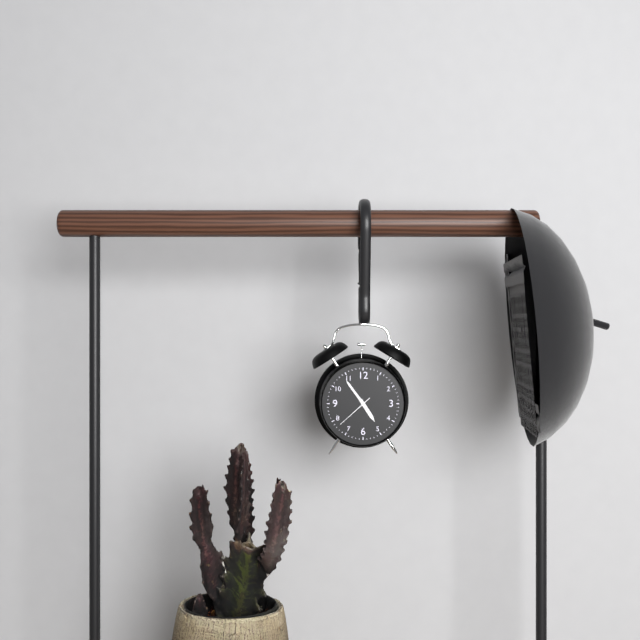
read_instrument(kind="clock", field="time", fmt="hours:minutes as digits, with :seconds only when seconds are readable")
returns 4:54
